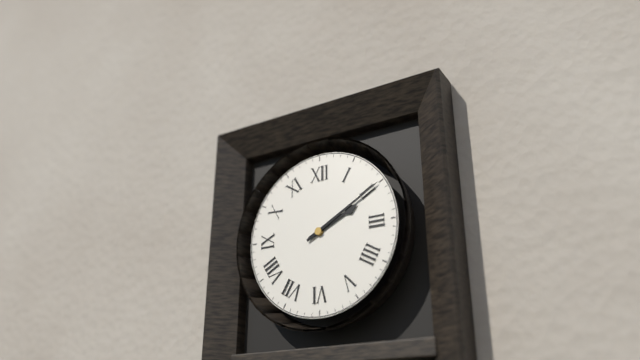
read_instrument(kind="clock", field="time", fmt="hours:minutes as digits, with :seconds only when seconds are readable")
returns 2:10
